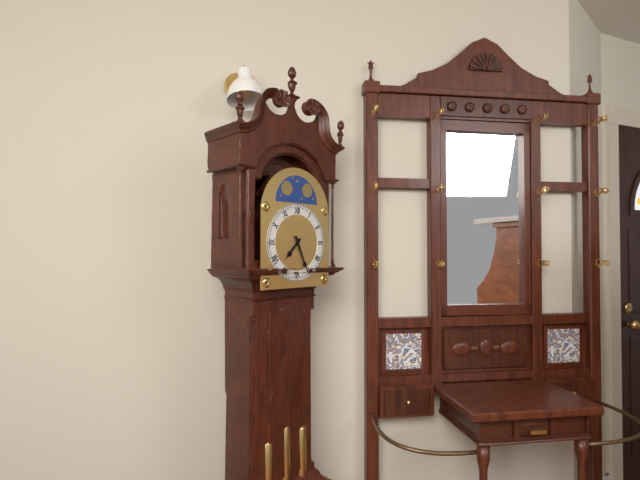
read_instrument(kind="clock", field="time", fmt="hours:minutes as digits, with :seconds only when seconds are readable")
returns 7:26
